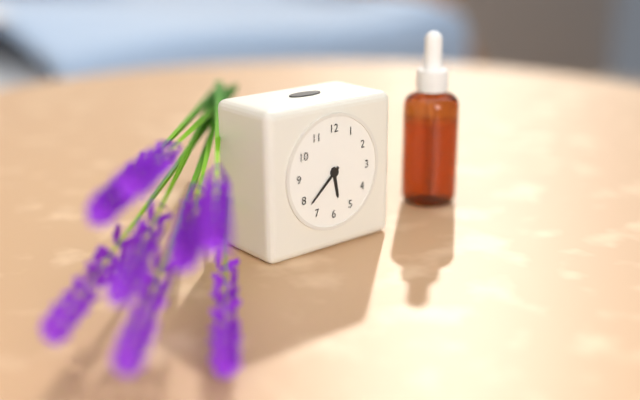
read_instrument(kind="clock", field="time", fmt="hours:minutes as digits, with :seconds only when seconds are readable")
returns 5:38
